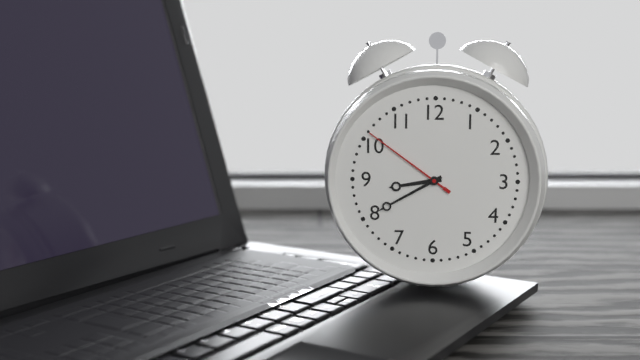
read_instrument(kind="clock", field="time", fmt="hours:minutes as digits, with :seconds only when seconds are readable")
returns 8:40:51
